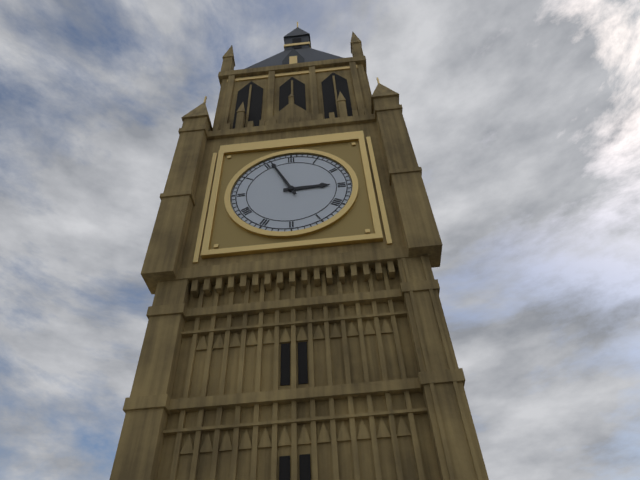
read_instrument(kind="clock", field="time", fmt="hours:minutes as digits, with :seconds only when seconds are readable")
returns 2:56
